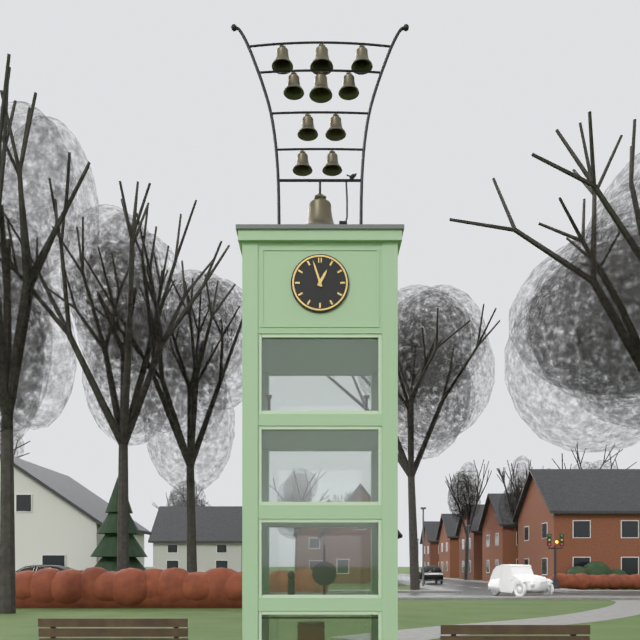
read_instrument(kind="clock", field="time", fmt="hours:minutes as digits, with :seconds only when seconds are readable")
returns 12:57
